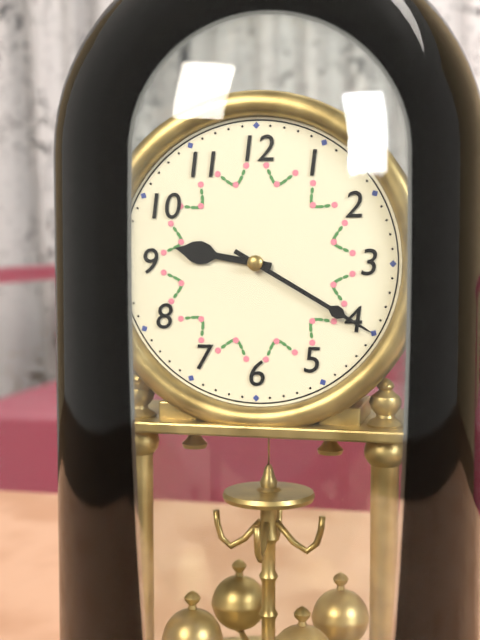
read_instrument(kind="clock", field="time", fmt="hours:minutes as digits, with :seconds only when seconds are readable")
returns 9:20
